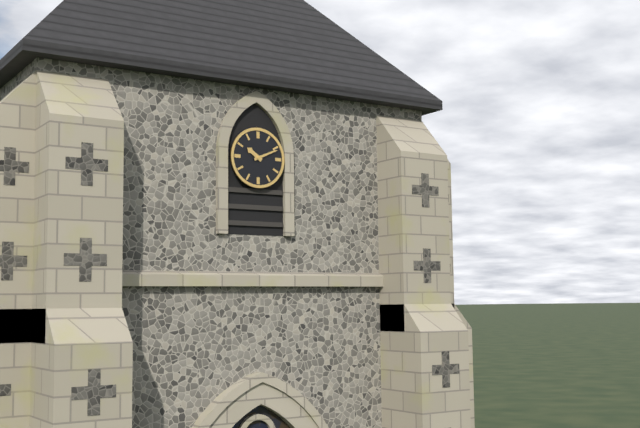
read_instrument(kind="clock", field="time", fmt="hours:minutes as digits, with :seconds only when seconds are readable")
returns 10:11
